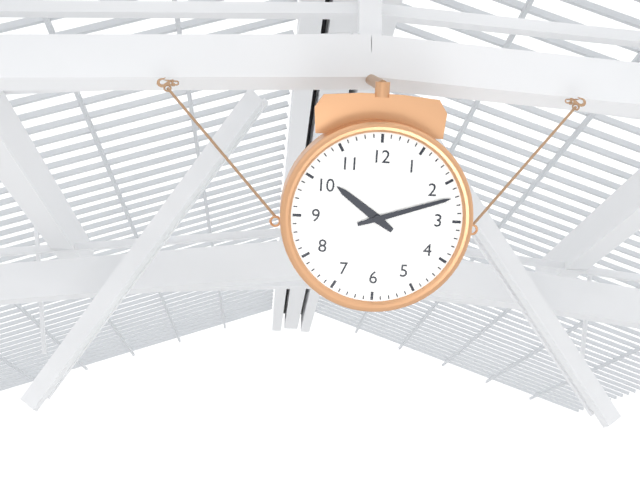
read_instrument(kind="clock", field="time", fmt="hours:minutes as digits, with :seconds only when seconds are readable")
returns 10:12
